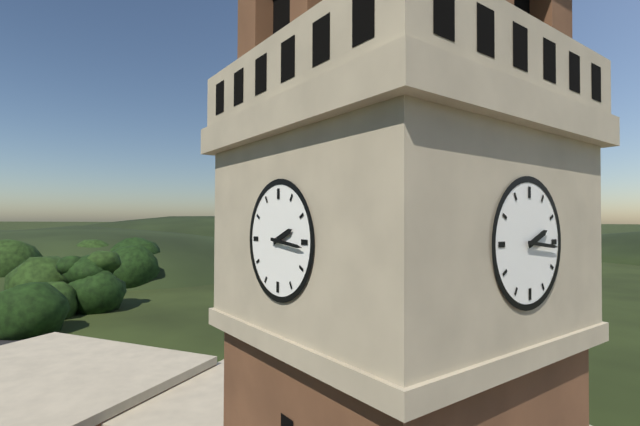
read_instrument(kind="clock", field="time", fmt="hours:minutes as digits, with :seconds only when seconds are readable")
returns 2:16
